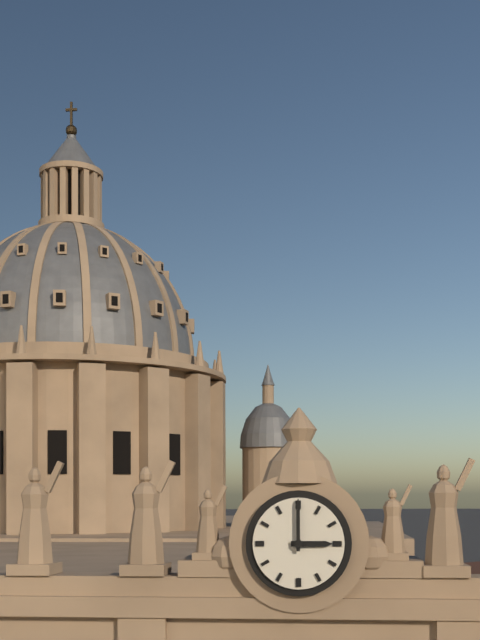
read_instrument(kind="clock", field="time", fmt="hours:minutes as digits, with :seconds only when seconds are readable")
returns 3:00
